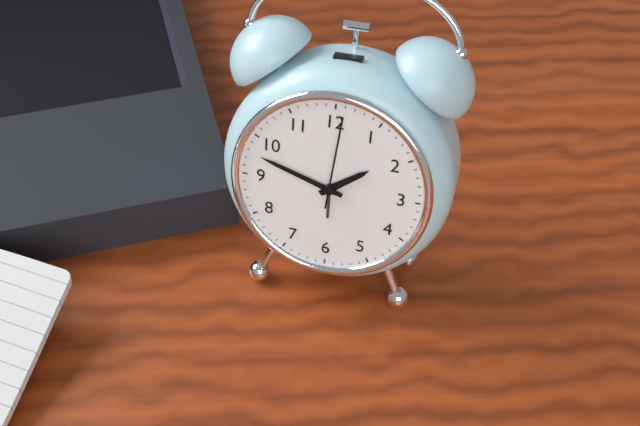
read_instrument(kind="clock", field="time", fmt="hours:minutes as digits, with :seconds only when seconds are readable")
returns 1:48:01
